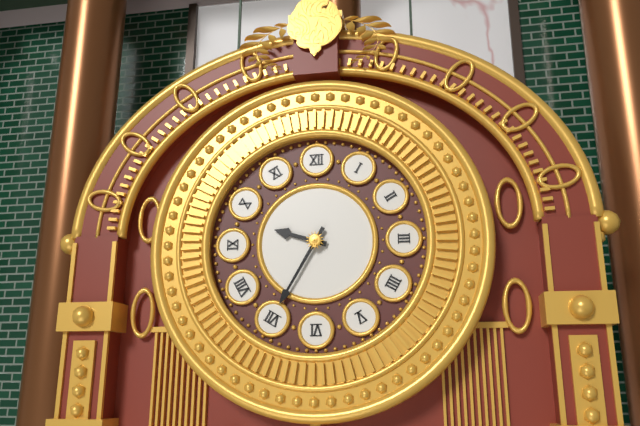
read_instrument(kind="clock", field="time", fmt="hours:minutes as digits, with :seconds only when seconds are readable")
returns 9:35
